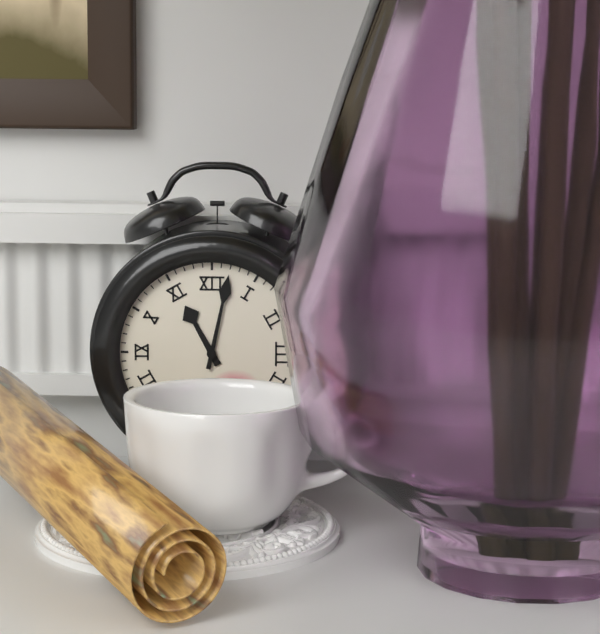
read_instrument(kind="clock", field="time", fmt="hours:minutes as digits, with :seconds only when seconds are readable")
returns 11:02
